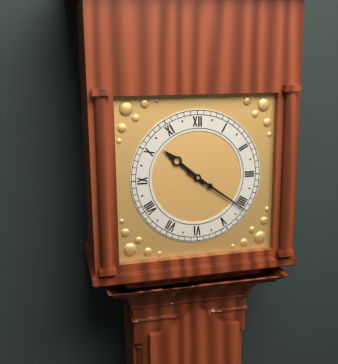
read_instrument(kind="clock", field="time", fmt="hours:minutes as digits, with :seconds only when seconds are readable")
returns 10:21
